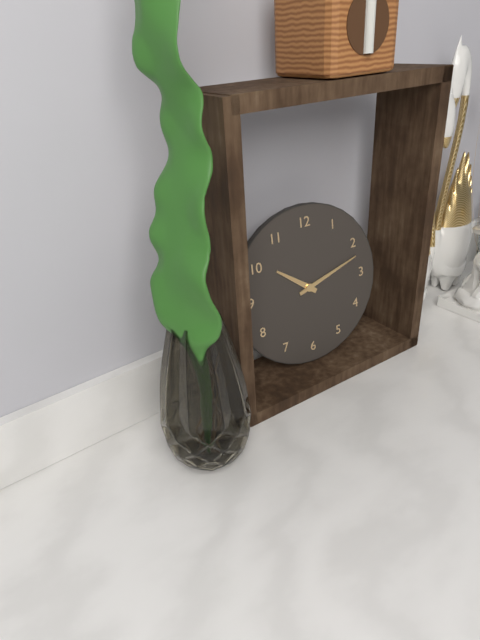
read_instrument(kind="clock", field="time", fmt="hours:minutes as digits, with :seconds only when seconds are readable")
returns 10:12
